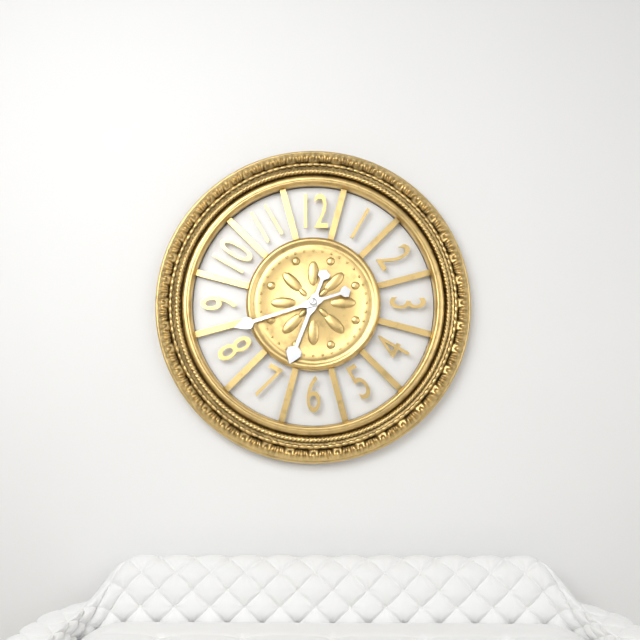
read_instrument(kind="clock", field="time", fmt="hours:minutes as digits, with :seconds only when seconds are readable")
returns 6:42
